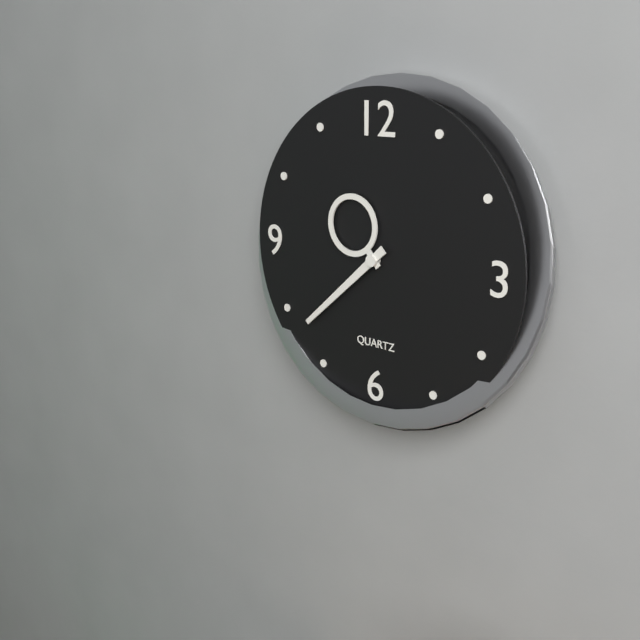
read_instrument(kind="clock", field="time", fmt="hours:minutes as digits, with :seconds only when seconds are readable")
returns 10:38
